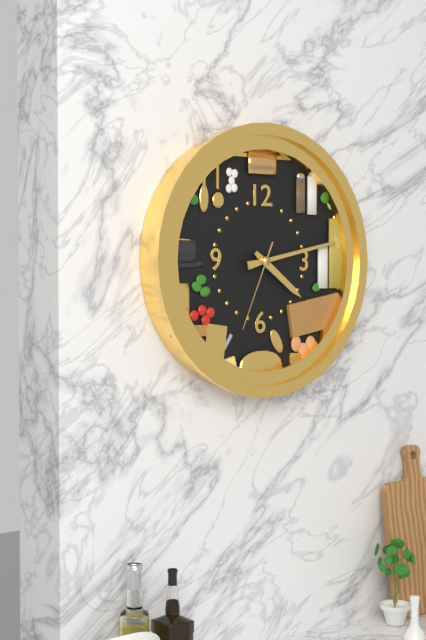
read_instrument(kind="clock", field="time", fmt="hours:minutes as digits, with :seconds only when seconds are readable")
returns 4:13:34
